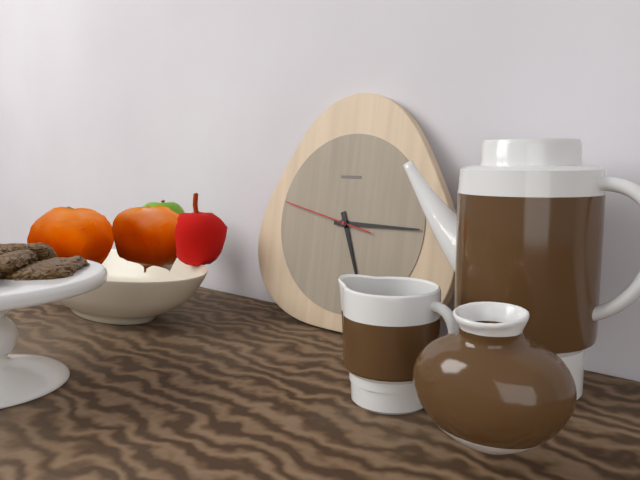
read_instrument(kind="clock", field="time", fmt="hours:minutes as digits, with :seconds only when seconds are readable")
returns 5:15:47
